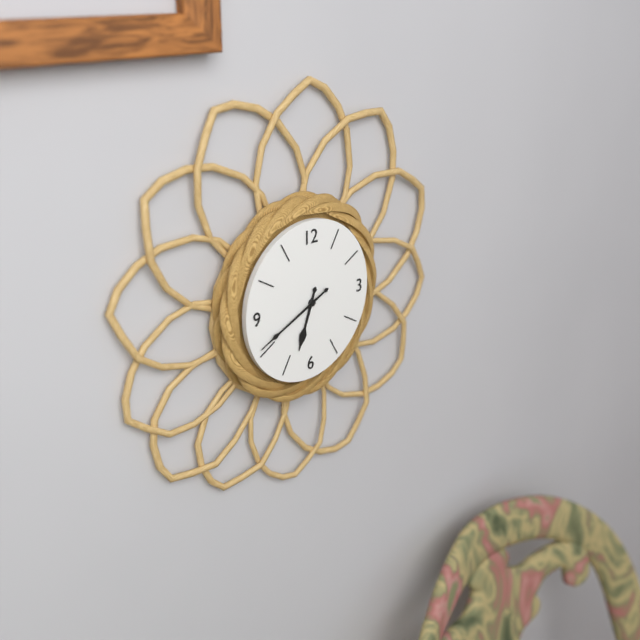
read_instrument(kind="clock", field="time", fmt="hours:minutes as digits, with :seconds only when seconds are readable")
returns 6:41
